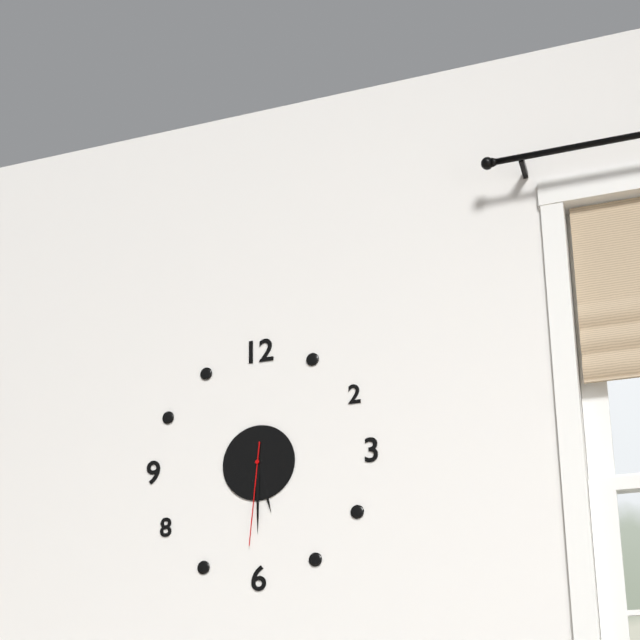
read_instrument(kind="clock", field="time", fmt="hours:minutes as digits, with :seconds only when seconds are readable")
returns 5:30:31
